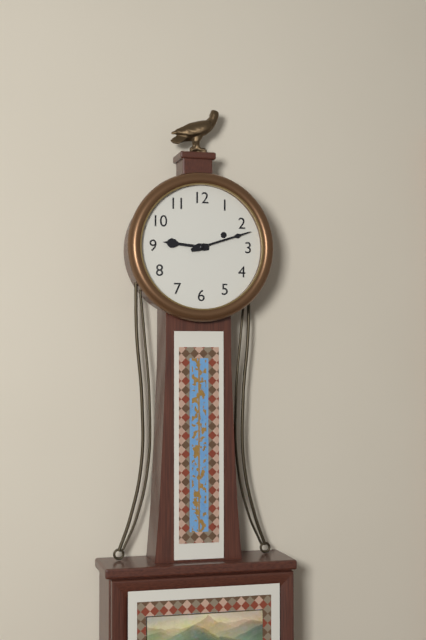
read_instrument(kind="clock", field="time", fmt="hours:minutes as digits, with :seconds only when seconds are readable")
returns 9:12
